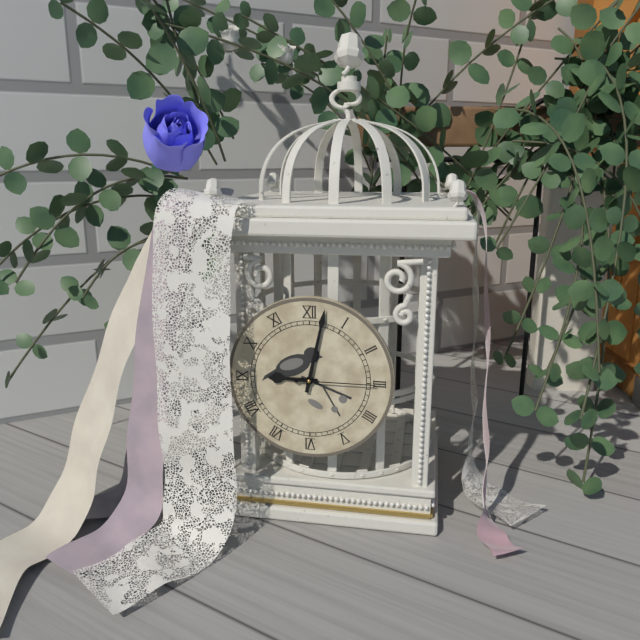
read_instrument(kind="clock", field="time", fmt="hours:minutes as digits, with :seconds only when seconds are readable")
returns 9:02:15
